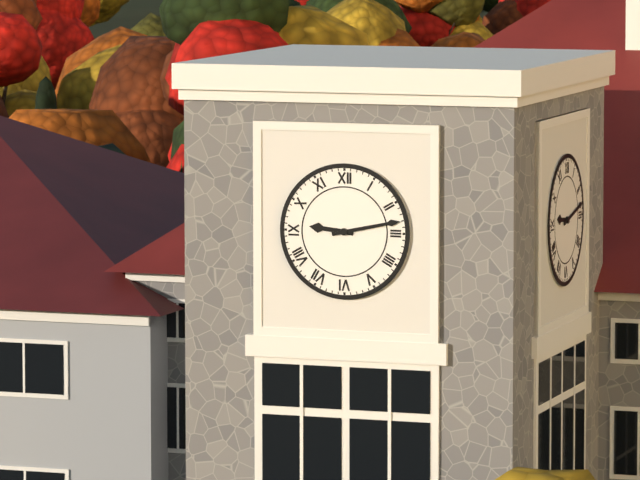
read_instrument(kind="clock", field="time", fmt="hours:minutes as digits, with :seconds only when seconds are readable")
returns 9:13
